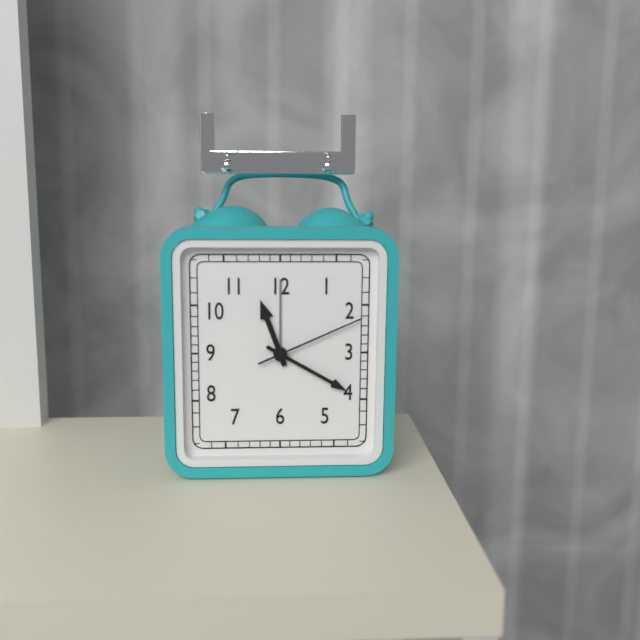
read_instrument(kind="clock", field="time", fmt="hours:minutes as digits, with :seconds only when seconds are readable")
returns 11:20:11
